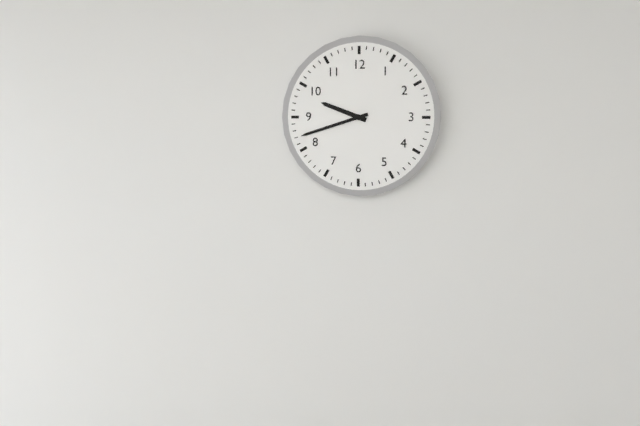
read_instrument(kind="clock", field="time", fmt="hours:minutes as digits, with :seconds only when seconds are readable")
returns 9:42
